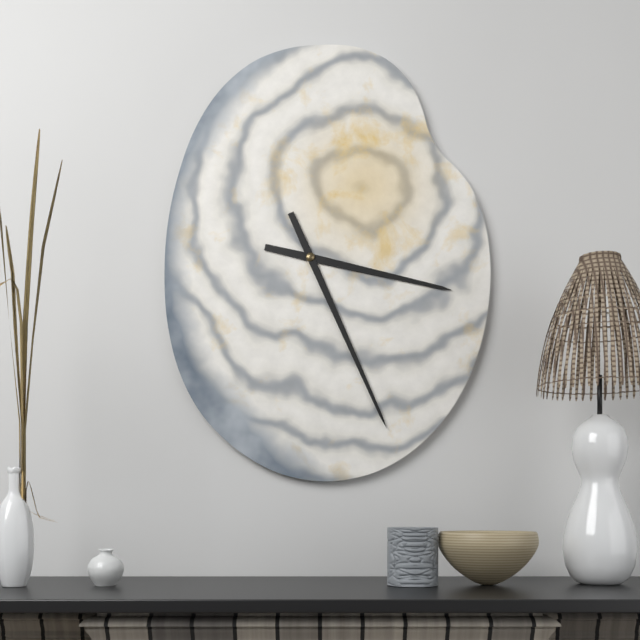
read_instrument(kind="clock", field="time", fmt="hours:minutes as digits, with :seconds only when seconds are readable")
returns 3:26
